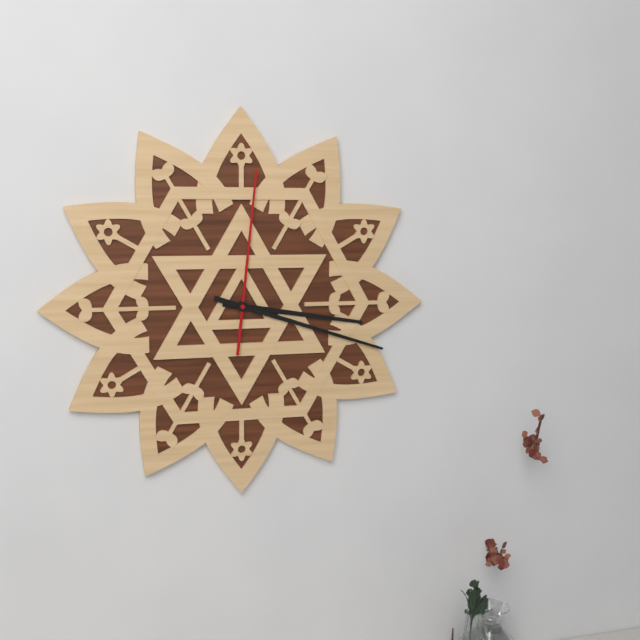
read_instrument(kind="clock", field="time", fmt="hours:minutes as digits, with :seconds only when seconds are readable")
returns 3:18:01
